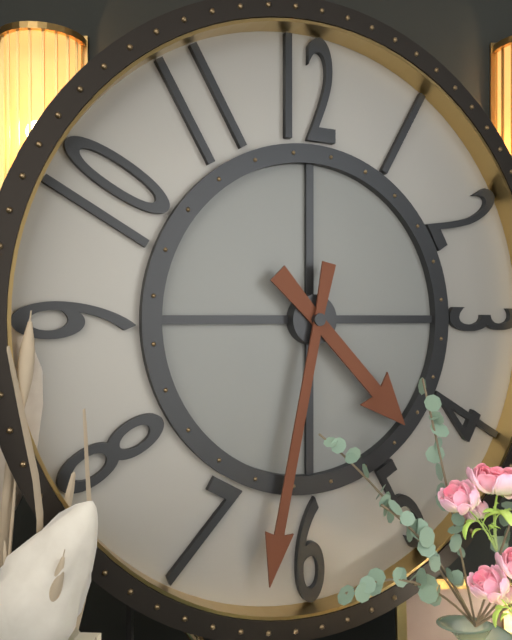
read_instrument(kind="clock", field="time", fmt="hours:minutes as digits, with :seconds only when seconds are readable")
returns 4:32
